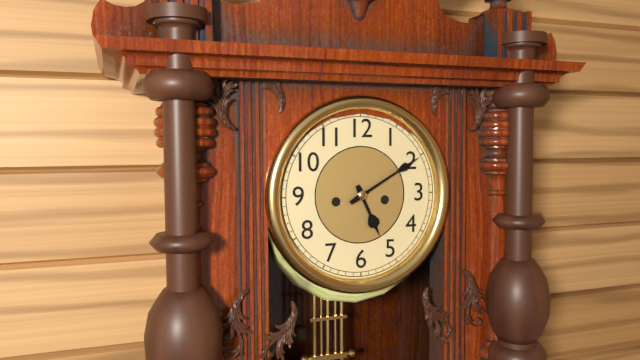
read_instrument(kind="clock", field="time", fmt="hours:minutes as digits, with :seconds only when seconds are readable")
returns 5:10
